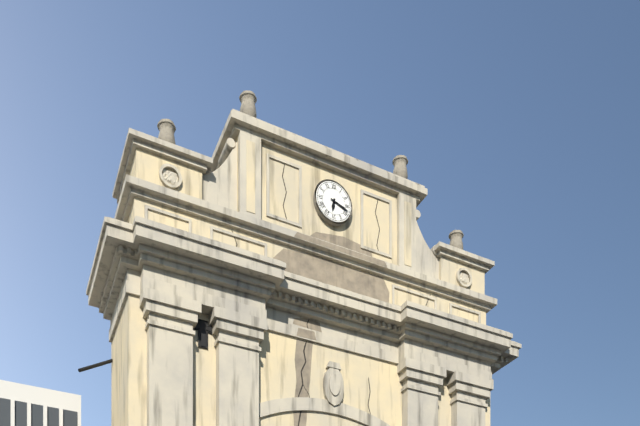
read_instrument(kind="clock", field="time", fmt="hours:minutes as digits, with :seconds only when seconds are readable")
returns 6:18
